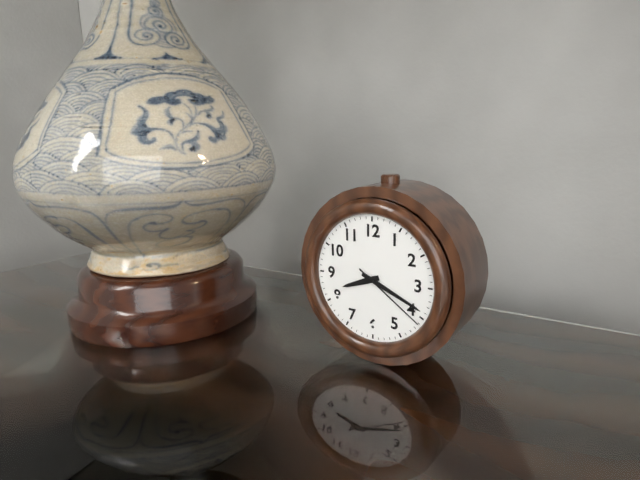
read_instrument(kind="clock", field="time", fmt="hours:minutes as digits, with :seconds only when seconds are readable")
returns 8:19:21
